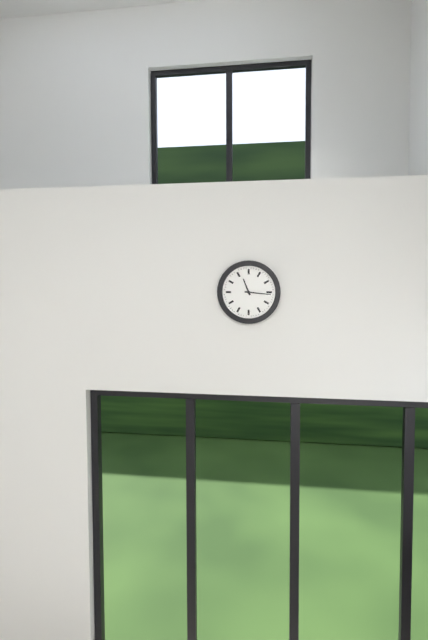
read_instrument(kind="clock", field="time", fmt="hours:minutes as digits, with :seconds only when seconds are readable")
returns 11:16
